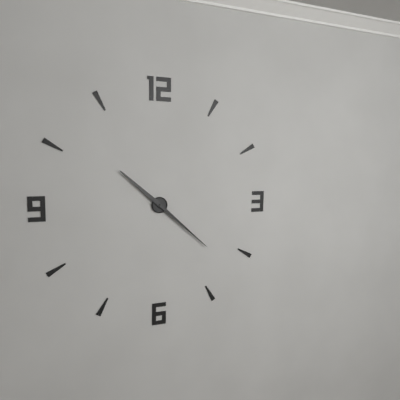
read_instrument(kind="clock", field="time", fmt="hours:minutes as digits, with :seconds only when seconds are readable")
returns 10:22
